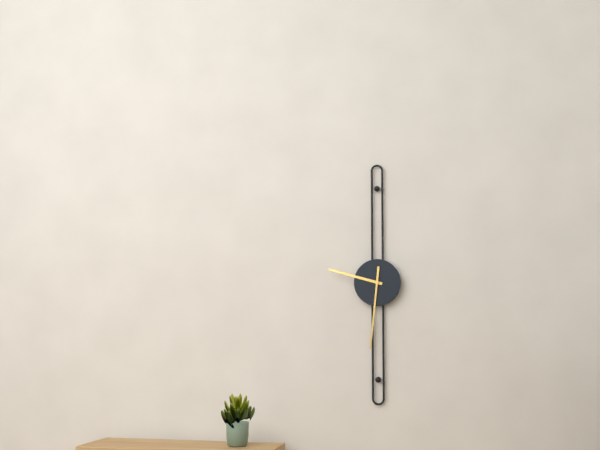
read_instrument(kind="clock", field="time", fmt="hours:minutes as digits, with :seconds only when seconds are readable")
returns 9:31
